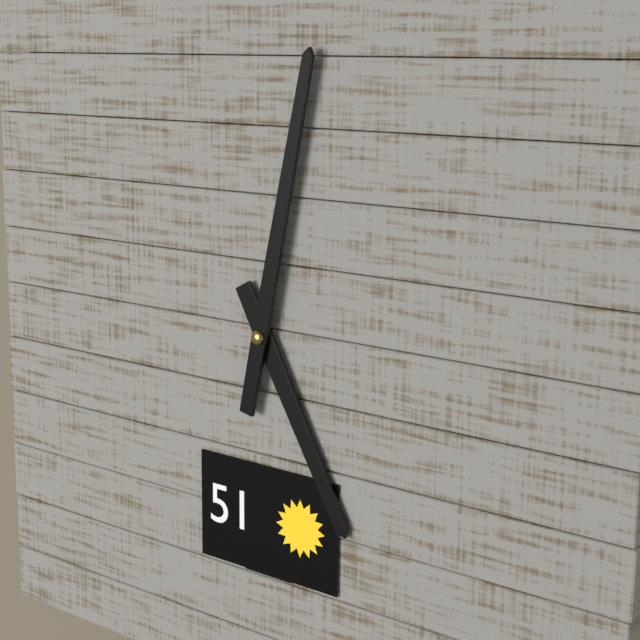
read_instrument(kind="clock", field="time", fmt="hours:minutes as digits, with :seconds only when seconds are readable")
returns 5:02
